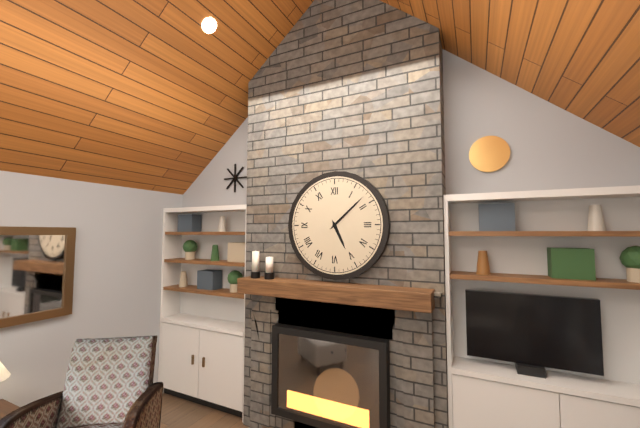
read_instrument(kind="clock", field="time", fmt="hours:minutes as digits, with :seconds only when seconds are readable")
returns 5:08
